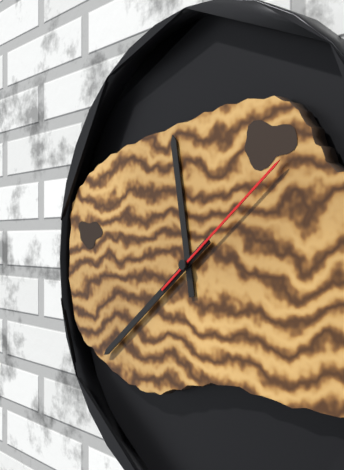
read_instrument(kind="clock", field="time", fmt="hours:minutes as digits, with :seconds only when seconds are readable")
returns 11:39:09
